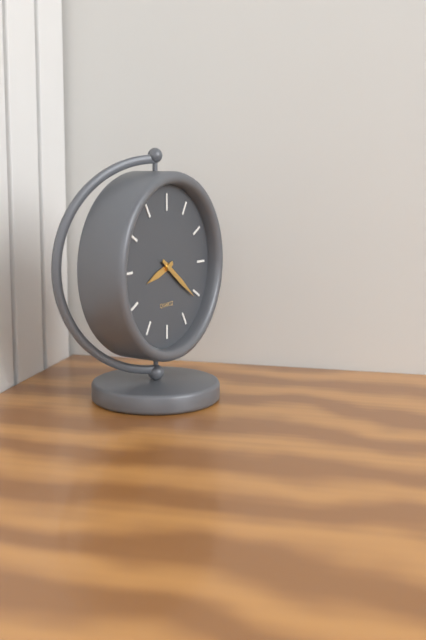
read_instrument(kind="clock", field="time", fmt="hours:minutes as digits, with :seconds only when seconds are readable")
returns 8:21
